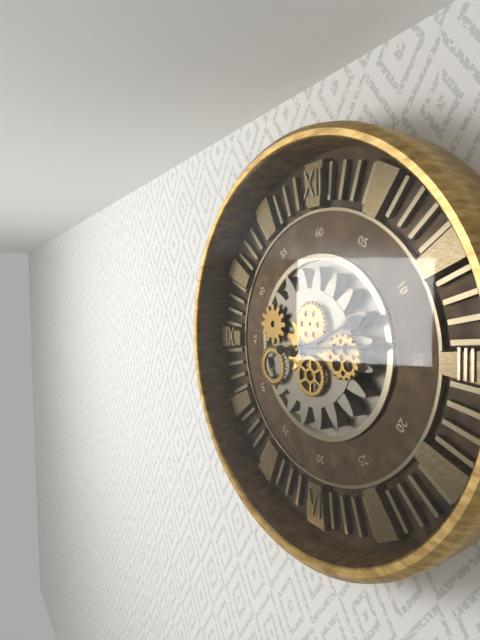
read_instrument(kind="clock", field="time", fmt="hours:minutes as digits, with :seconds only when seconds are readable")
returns 2:14
